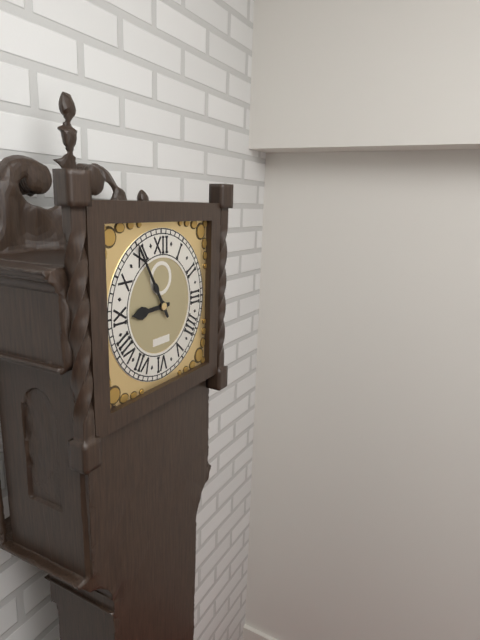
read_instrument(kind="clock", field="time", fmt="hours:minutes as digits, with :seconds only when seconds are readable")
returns 8:55
